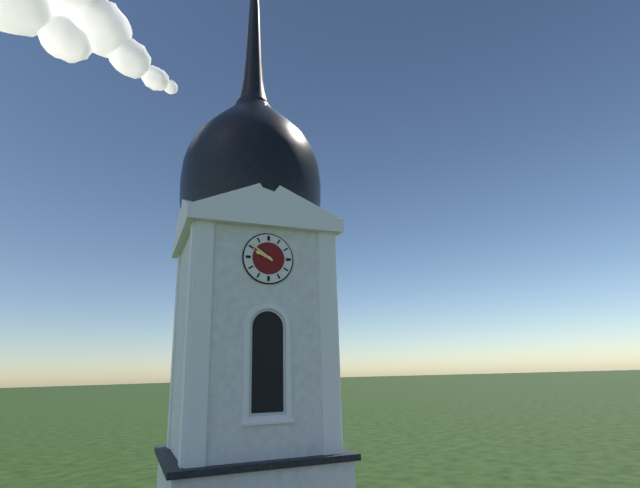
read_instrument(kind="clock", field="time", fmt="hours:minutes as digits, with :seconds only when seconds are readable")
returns 9:51
